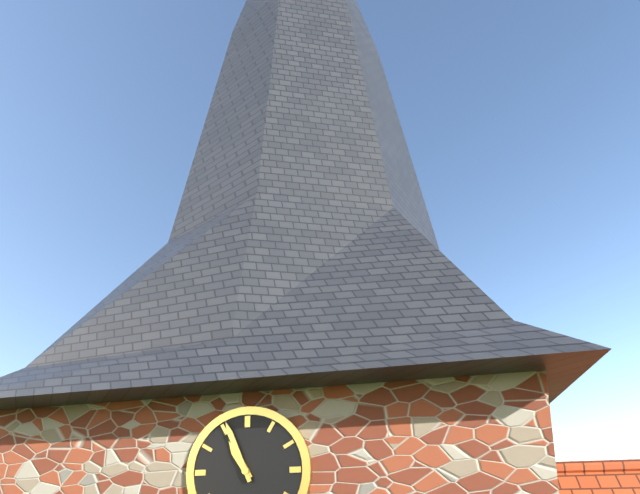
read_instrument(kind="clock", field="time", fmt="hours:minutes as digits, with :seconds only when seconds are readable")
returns 10:56
